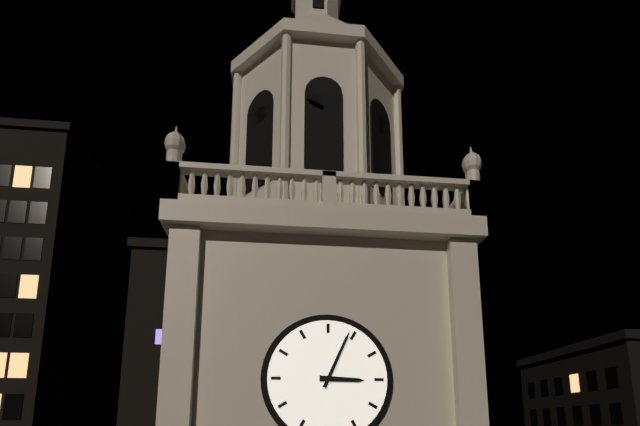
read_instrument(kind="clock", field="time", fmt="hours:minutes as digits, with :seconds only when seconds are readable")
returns 3:04
